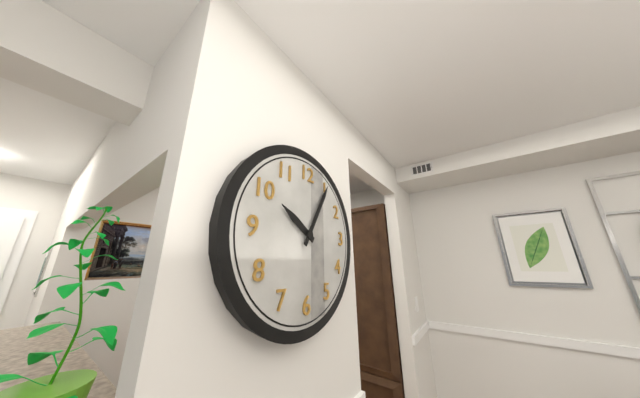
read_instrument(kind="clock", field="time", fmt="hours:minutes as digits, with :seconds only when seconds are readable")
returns 10:05
